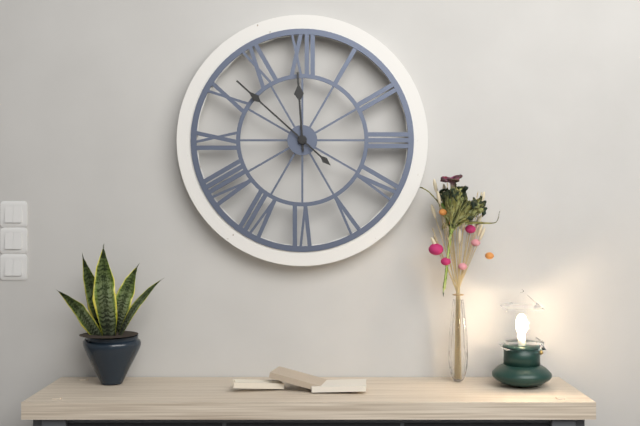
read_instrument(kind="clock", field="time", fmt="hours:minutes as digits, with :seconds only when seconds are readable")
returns 11:52
